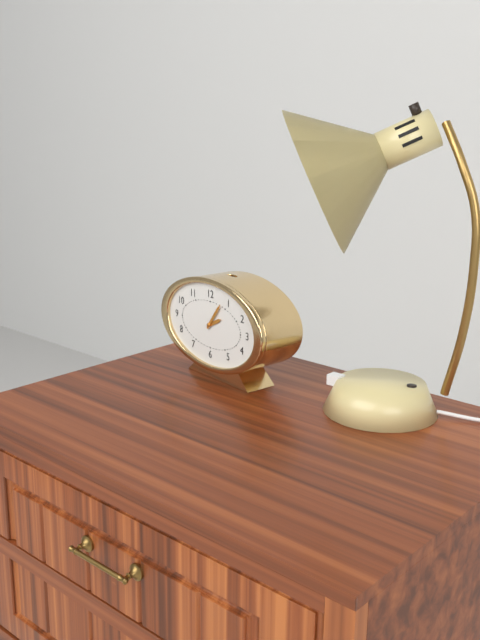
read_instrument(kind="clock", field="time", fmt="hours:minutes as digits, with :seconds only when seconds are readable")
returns 2:06
